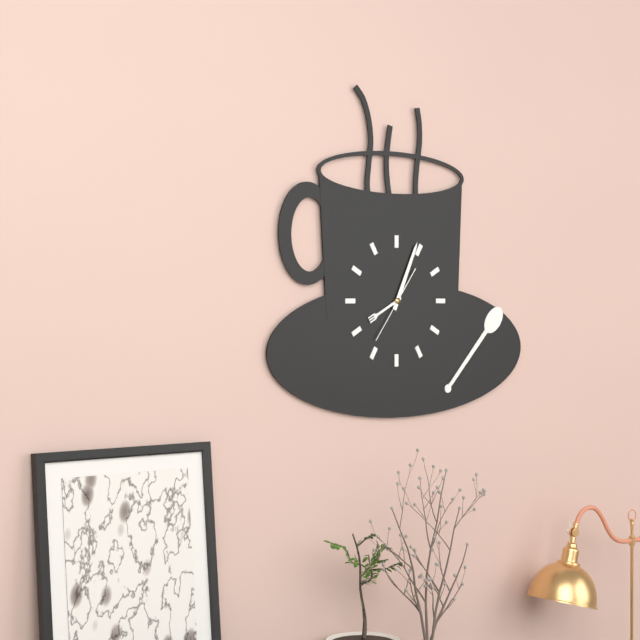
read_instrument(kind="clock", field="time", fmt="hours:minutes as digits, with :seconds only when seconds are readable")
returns 8:04:36
